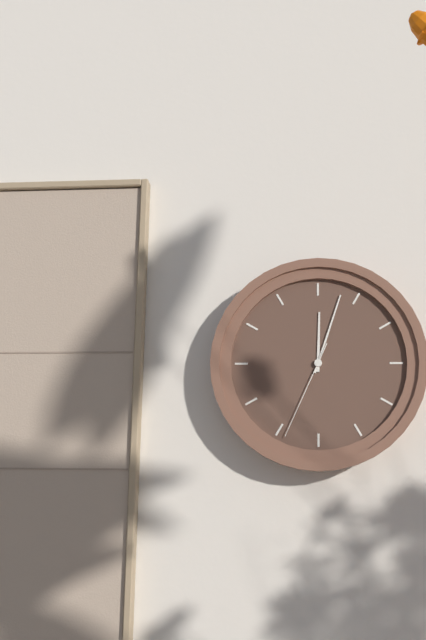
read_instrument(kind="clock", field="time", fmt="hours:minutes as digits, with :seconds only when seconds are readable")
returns 12:03:34
